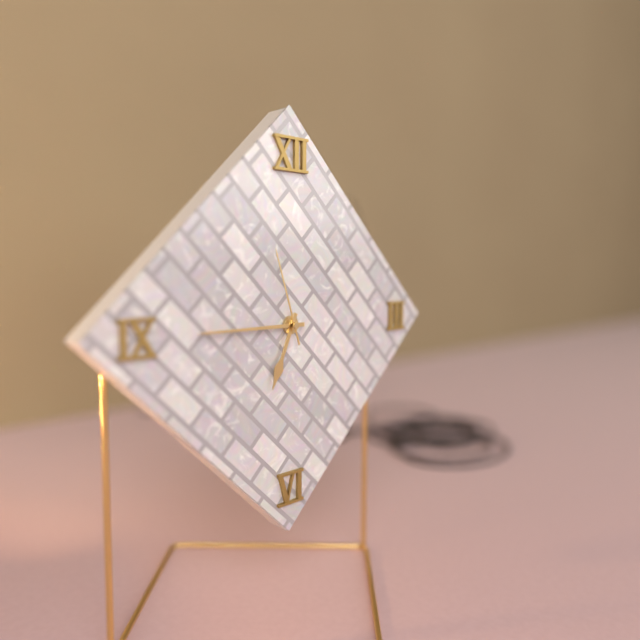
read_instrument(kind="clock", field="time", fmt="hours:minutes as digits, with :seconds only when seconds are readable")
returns 6:45:57
